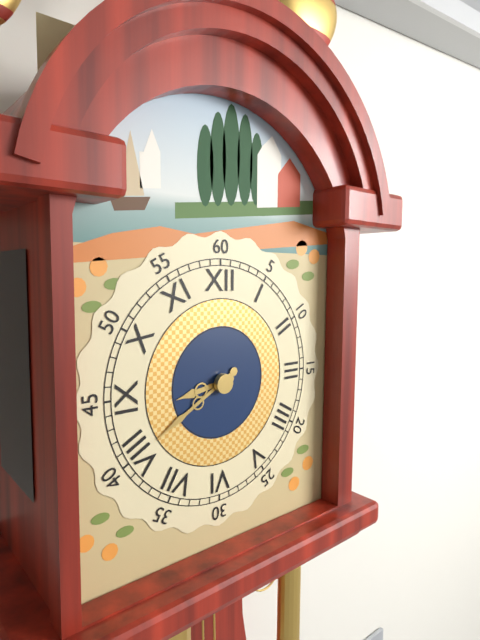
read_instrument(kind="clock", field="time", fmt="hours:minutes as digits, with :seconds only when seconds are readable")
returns 8:40
